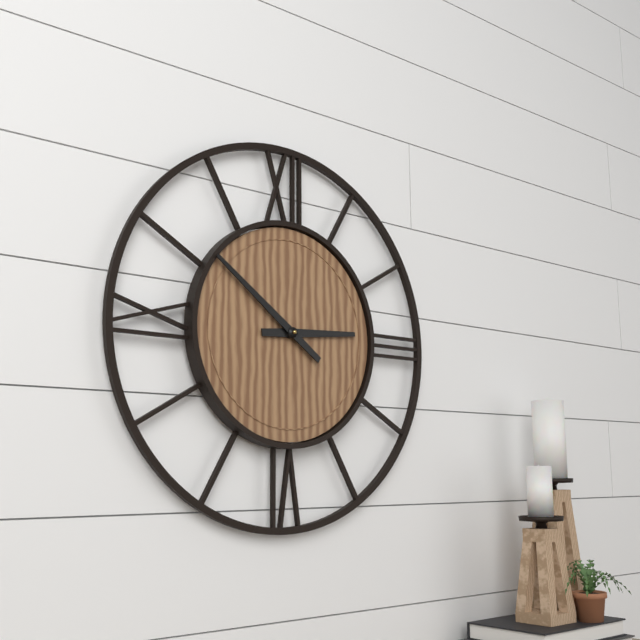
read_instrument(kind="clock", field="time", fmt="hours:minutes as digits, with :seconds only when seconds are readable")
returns 2:51
